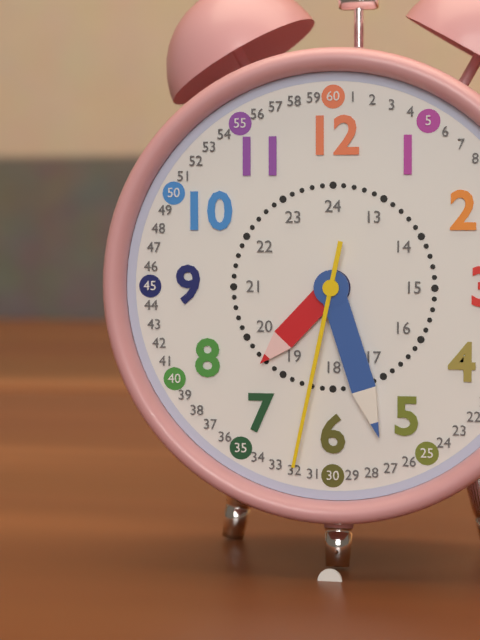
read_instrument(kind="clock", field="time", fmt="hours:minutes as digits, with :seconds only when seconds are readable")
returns 7:27:32
